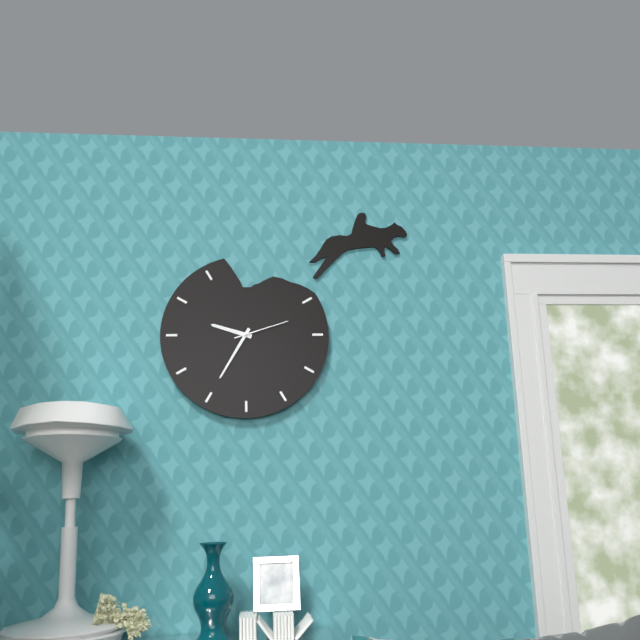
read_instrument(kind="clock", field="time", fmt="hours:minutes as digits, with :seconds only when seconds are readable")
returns 9:35:12
